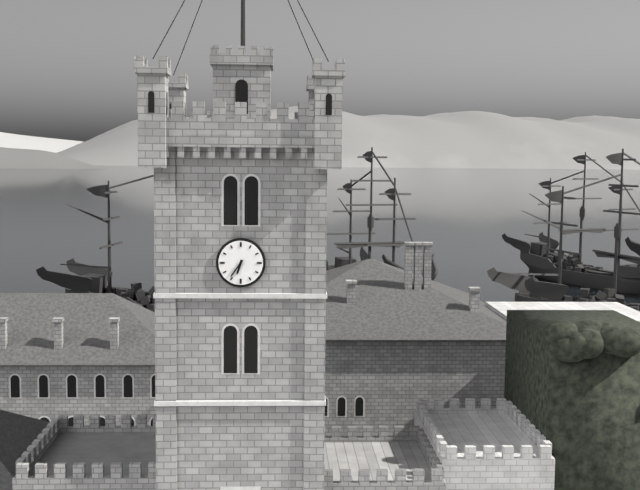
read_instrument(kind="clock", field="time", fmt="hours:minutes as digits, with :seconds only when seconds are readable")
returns 6:36
